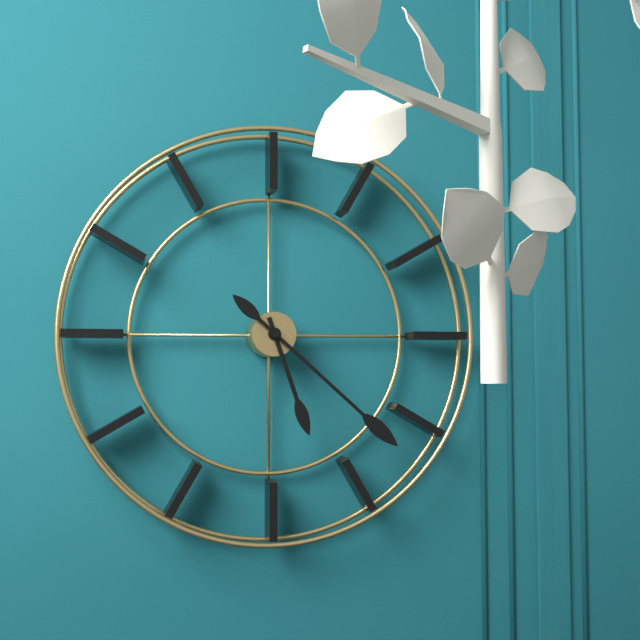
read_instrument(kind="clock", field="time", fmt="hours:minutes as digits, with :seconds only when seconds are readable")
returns 5:22
